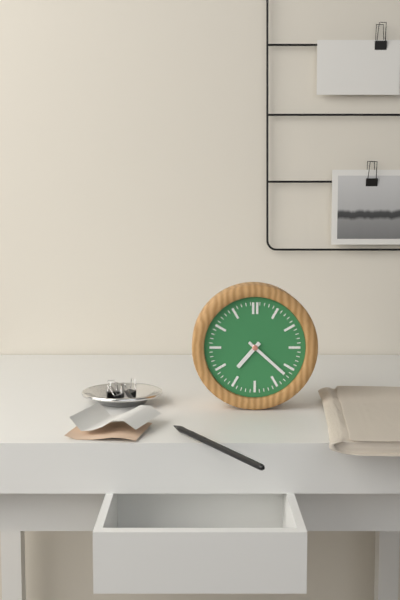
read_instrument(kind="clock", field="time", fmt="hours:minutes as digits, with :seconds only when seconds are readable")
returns 7:22
